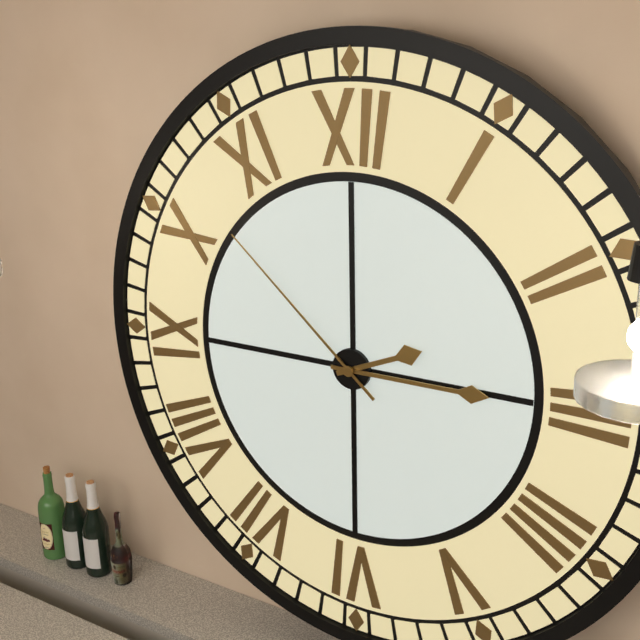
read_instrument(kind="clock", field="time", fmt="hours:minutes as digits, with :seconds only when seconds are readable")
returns 2:15:52
